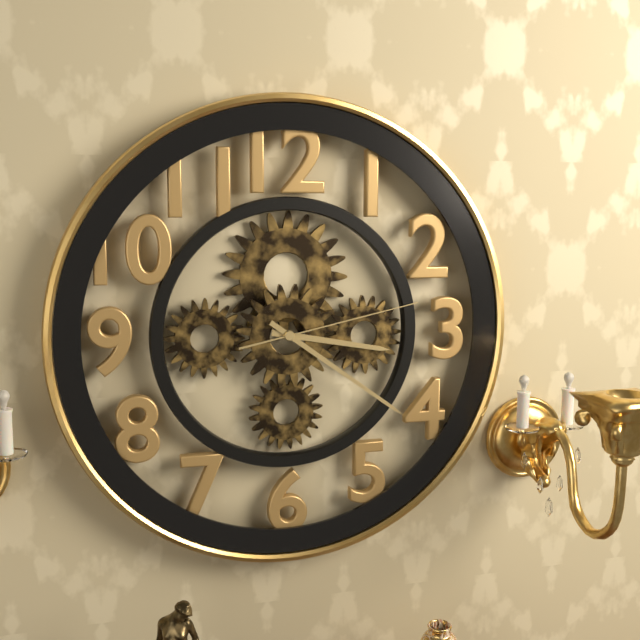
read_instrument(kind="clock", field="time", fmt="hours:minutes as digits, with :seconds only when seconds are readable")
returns 3:21:13
